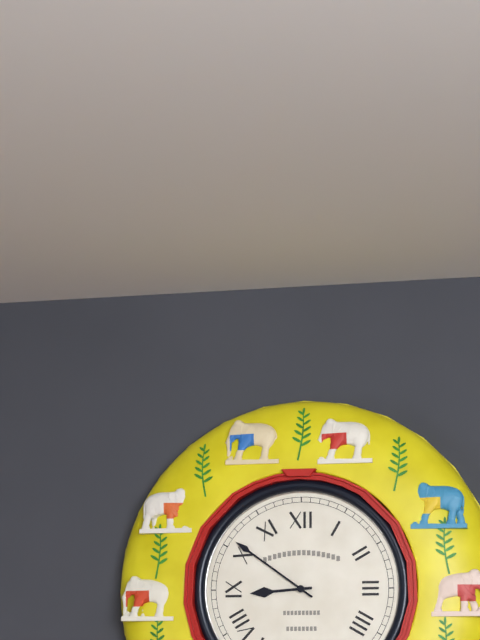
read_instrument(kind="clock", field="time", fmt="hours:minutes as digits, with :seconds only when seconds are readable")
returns 8:51
